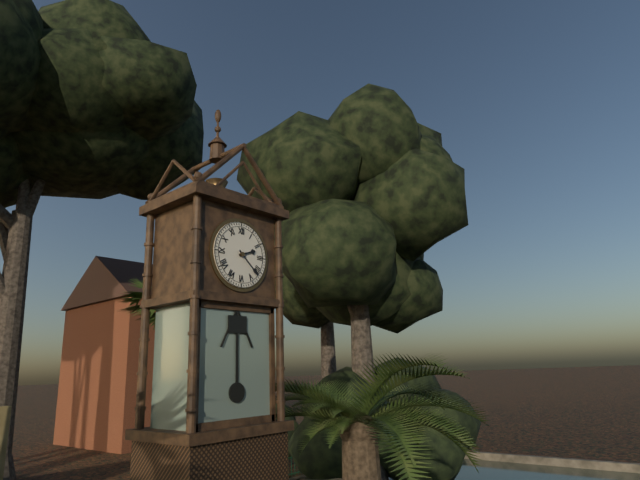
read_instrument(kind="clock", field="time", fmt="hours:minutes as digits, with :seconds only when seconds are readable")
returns 2:22
